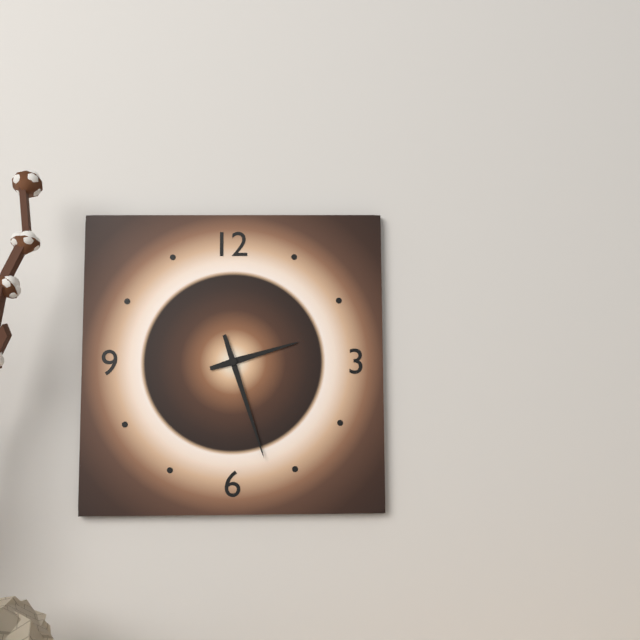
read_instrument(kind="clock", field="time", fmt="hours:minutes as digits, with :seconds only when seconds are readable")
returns 2:27
